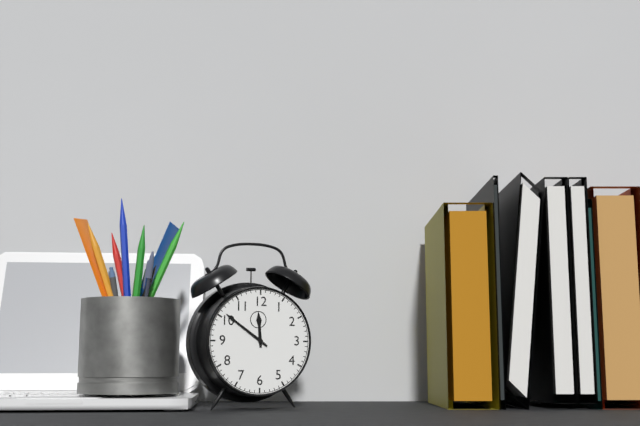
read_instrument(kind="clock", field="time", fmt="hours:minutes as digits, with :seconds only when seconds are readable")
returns 11:51
